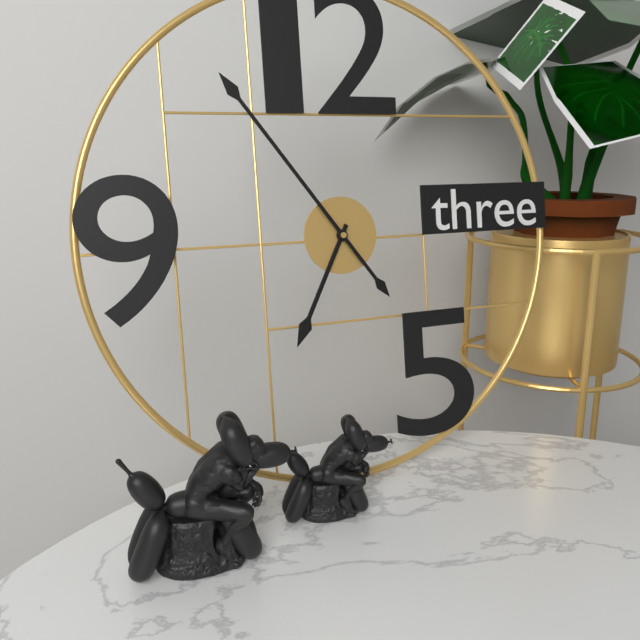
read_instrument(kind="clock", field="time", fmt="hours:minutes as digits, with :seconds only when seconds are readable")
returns 6:54
